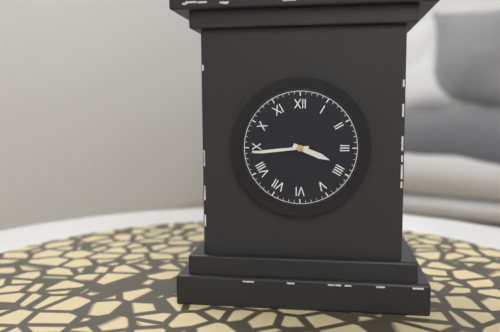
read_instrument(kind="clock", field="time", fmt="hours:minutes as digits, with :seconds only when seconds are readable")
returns 3:44
